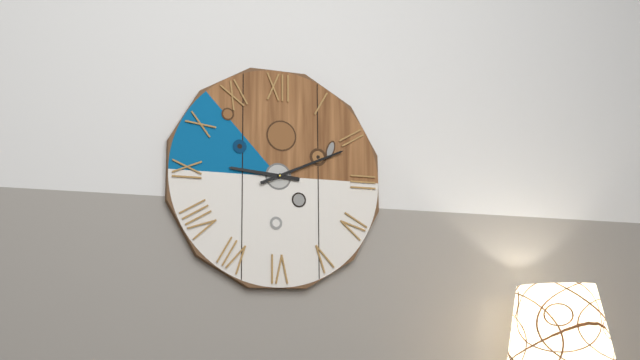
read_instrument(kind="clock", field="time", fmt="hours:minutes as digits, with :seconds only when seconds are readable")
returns 9:11
